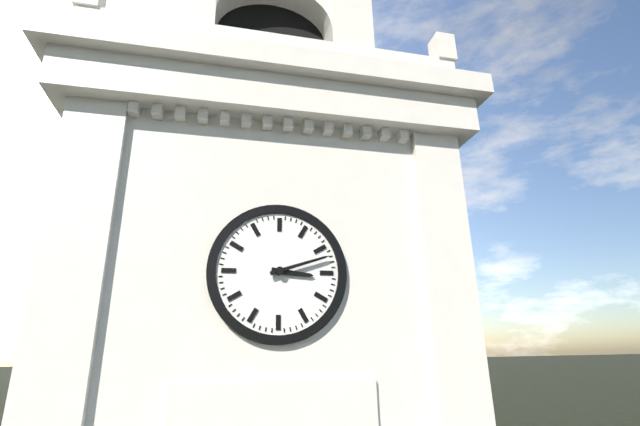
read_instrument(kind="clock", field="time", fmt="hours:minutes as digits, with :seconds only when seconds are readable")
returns 3:12
